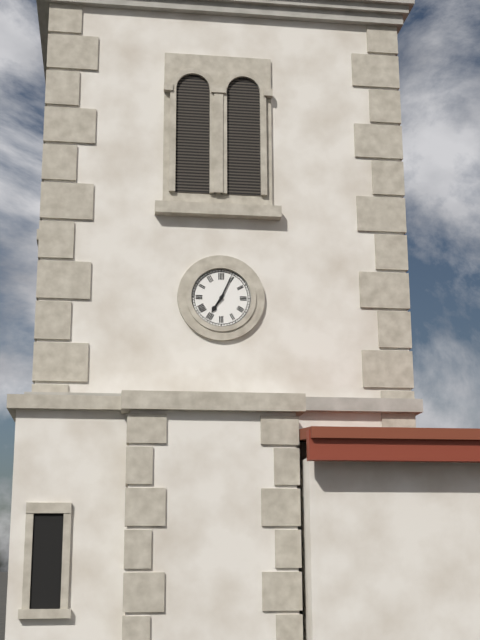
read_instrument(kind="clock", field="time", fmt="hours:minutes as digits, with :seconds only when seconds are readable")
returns 7:04
